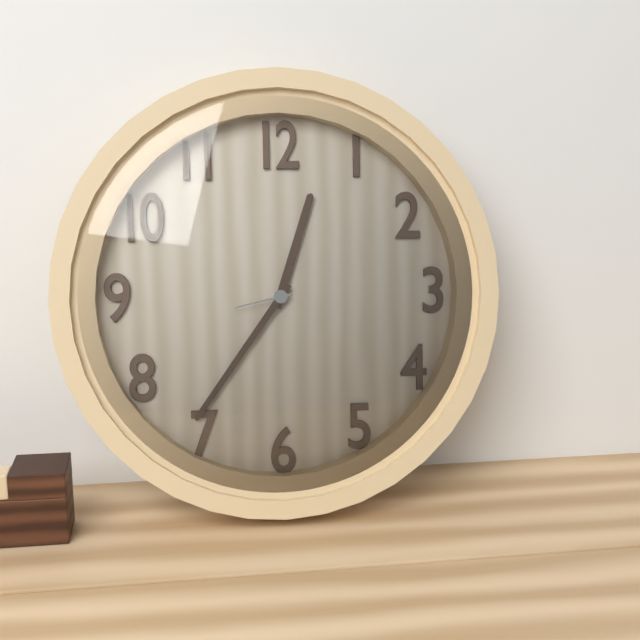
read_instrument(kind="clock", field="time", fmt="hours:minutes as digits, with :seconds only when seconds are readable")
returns 12:36:43
